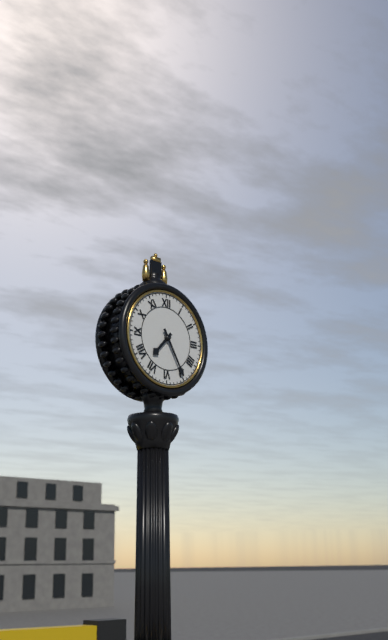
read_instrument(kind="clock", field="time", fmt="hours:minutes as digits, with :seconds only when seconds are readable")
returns 7:25
